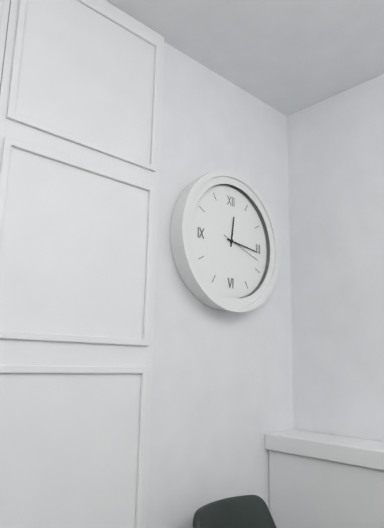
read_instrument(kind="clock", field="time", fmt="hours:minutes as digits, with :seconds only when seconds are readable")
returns 12:16
